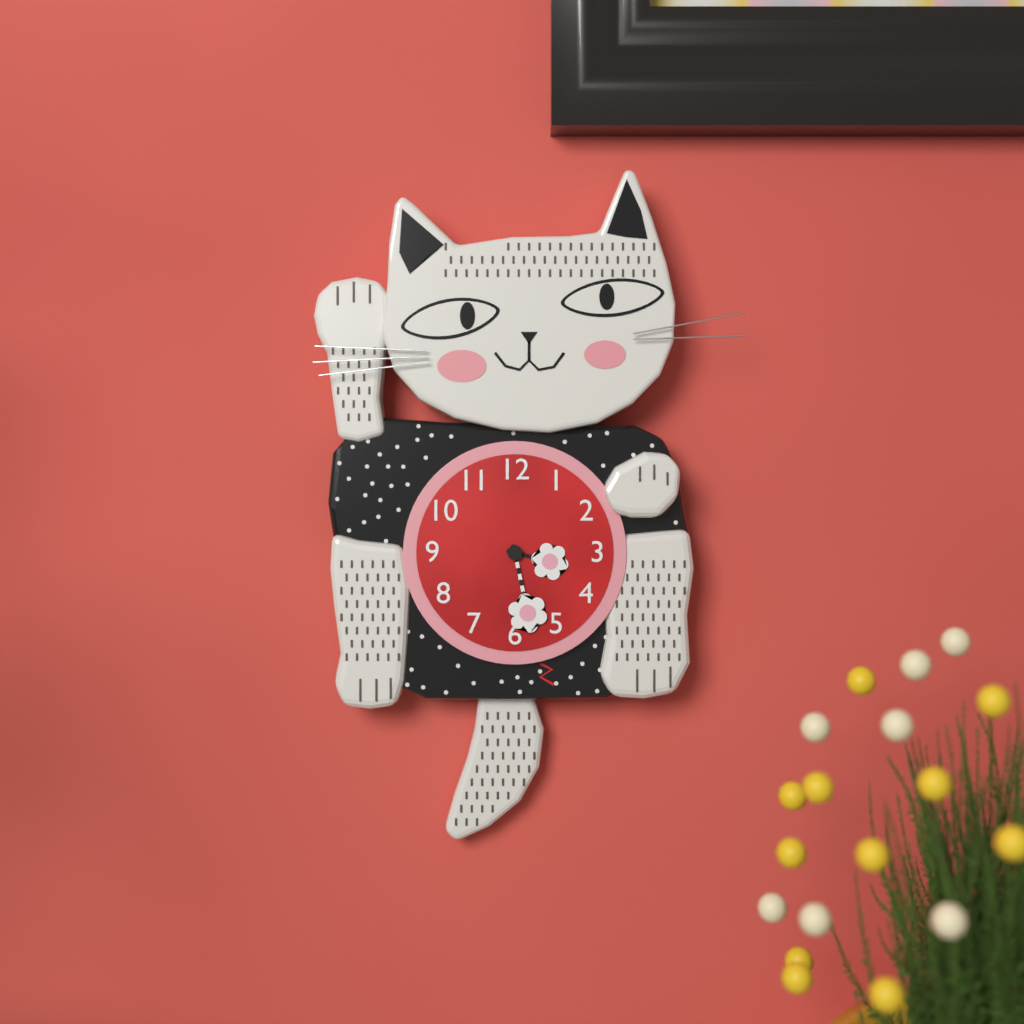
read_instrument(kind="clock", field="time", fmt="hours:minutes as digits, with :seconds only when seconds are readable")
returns 3:28
